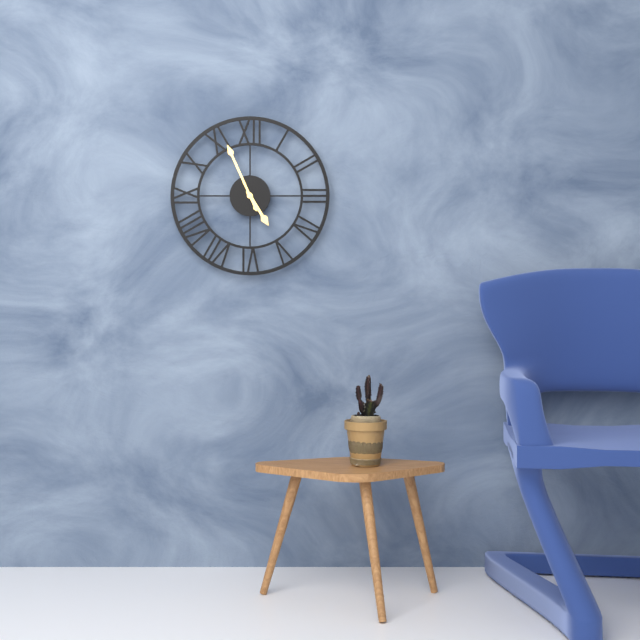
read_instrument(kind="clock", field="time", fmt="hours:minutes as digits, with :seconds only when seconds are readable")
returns 4:56
